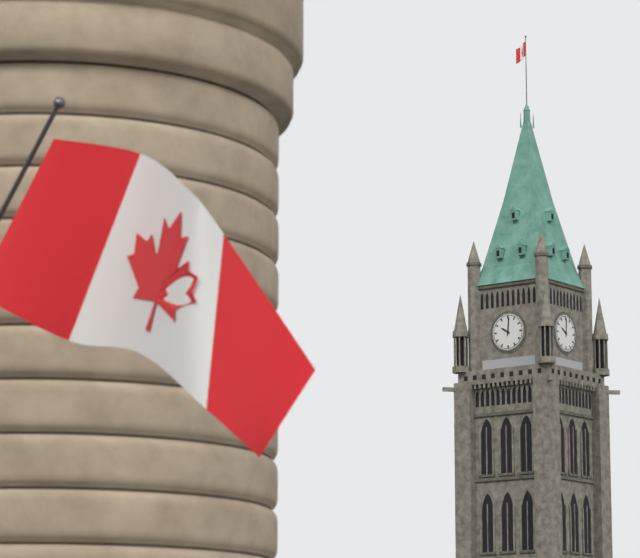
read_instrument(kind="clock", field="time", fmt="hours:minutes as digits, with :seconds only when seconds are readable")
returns 10:01
